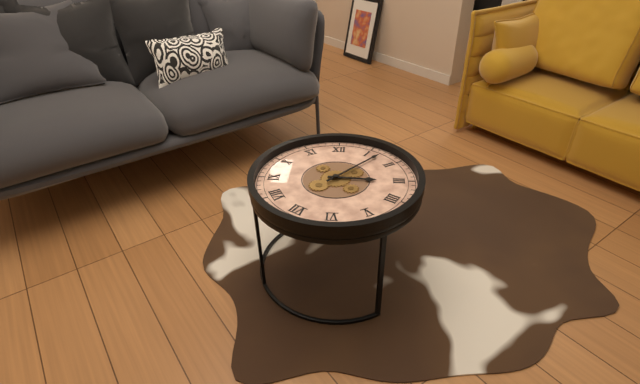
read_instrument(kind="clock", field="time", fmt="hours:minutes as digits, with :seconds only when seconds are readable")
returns 3:07
